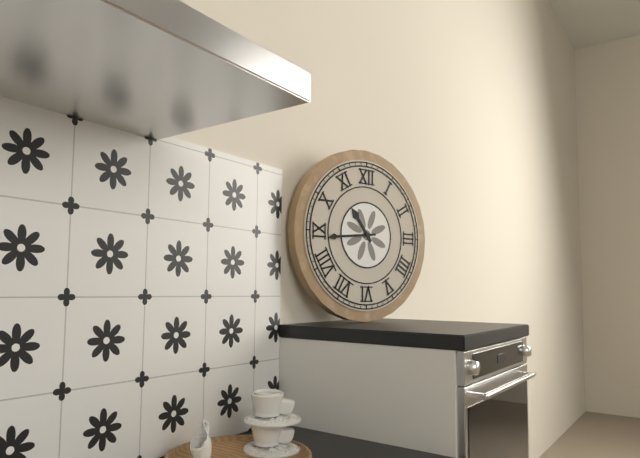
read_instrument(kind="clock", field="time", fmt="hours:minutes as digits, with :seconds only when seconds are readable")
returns 10:44
